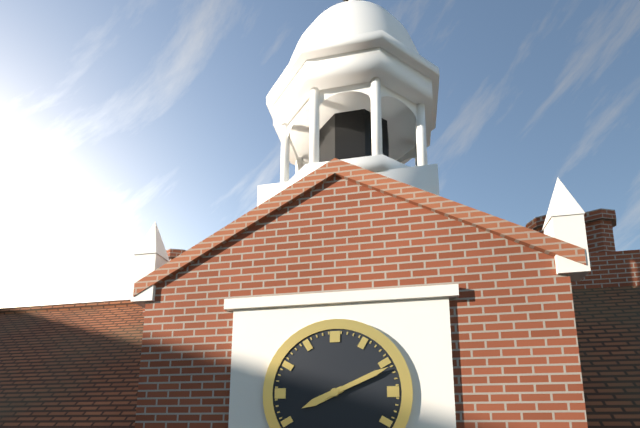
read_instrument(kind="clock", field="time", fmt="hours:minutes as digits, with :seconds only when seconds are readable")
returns 8:11
